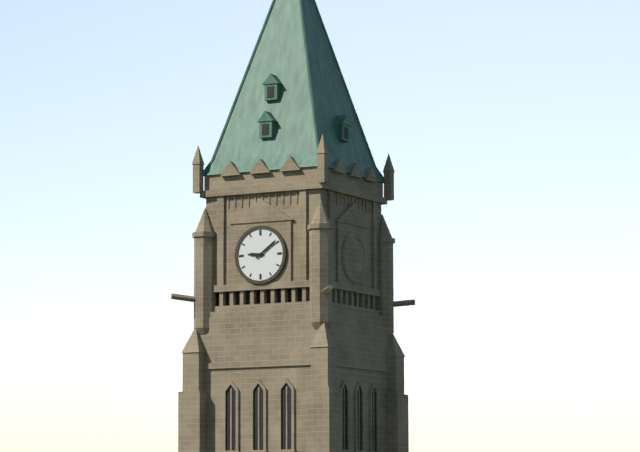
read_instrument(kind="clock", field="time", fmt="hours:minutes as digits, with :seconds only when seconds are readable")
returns 9:09
